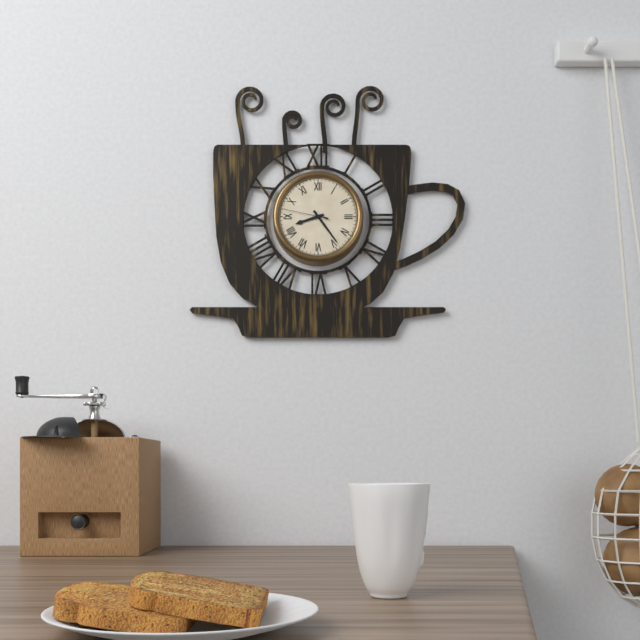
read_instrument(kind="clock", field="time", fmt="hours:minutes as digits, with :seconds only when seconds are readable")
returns 8:24
